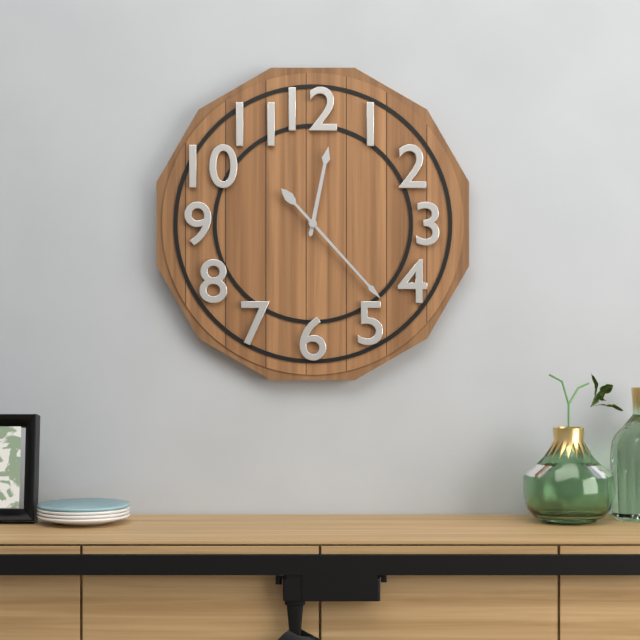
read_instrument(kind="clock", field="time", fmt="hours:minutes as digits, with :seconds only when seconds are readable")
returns 12:23
